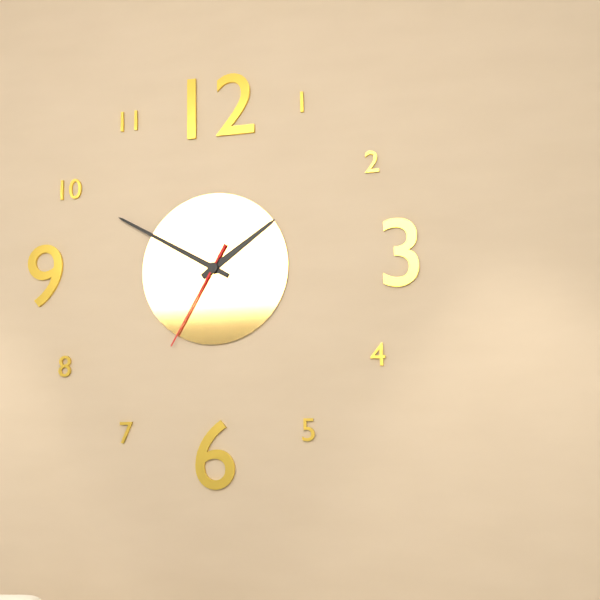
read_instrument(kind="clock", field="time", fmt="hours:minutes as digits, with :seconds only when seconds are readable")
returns 1:50:35
